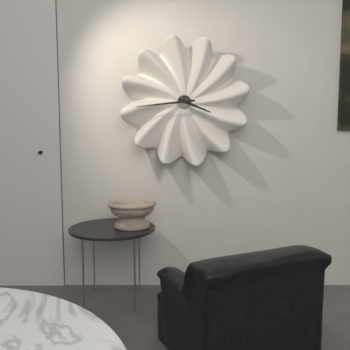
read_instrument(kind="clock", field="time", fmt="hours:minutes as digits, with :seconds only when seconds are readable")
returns 3:44
